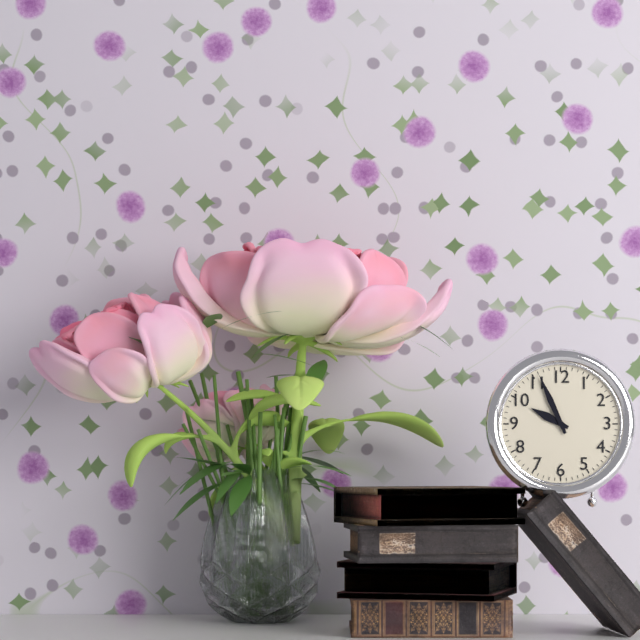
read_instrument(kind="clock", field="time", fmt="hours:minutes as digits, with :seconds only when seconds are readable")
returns 9:56
